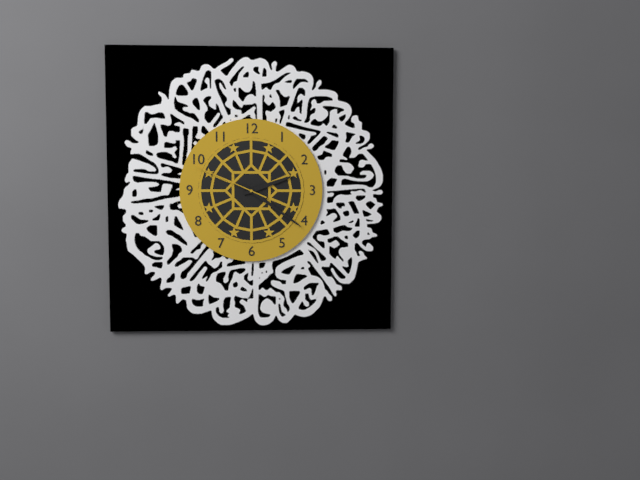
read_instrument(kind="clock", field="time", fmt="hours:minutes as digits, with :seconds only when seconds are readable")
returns 2:21:49
